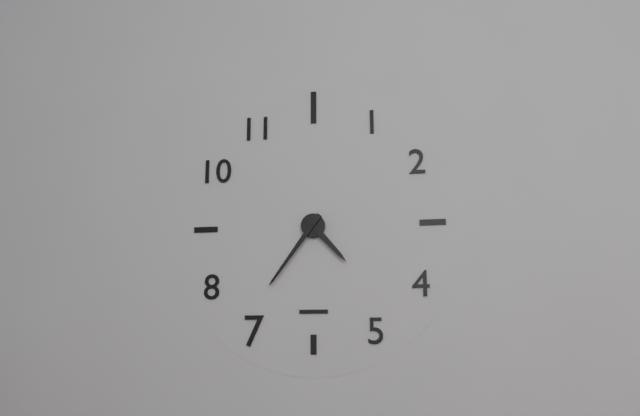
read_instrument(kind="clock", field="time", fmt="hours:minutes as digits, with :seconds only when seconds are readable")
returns 4:36
